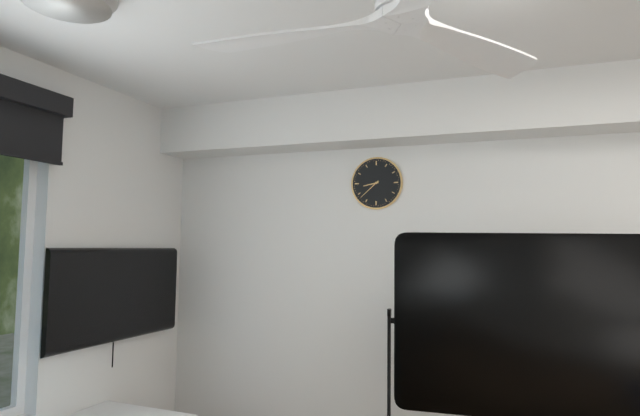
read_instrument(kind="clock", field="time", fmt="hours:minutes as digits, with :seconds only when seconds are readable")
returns 8:38
